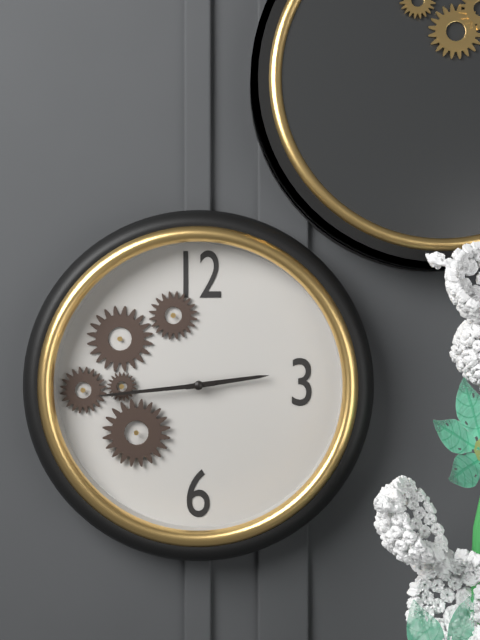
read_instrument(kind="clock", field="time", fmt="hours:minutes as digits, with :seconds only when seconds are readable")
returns 2:44
